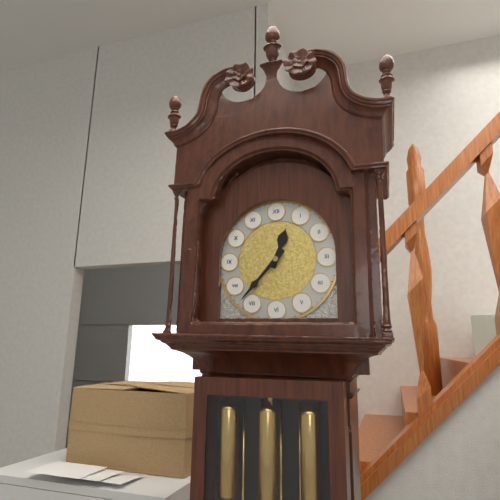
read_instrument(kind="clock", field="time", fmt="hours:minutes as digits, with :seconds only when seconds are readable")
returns 12:37
